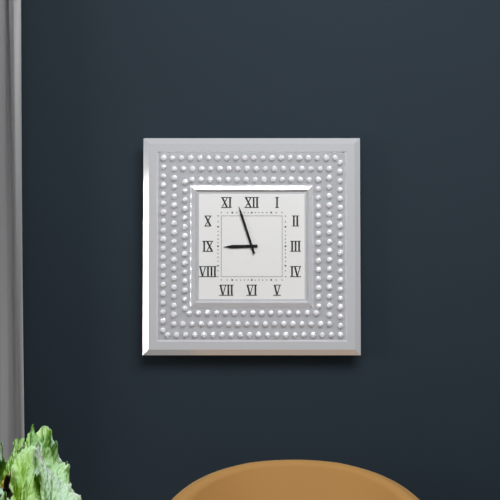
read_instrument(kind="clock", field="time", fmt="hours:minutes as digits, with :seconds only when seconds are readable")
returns 8:57
